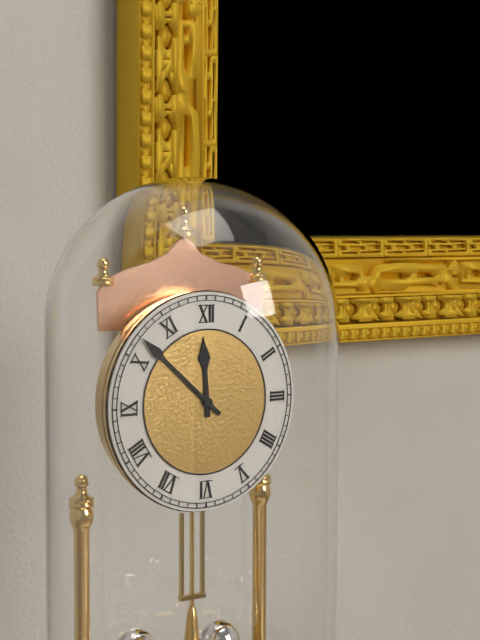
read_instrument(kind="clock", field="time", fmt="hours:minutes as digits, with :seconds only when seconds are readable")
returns 11:52
